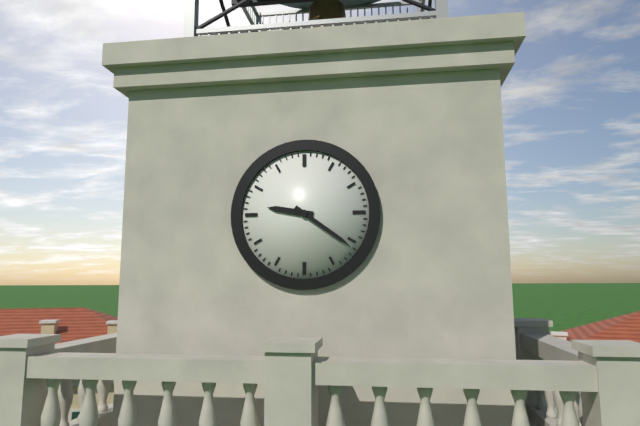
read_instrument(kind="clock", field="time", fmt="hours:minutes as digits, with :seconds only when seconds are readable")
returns 9:21
